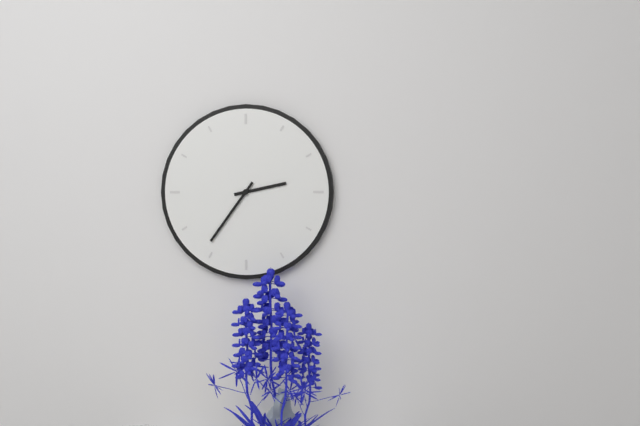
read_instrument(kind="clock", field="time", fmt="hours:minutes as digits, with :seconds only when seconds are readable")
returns 2:36
